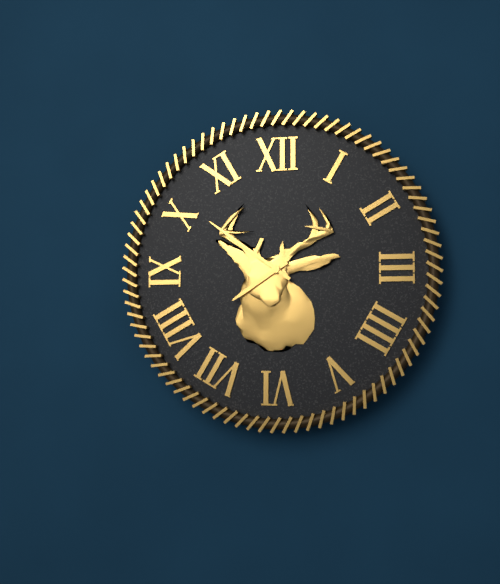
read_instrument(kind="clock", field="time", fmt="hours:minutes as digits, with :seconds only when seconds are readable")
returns 7:51
